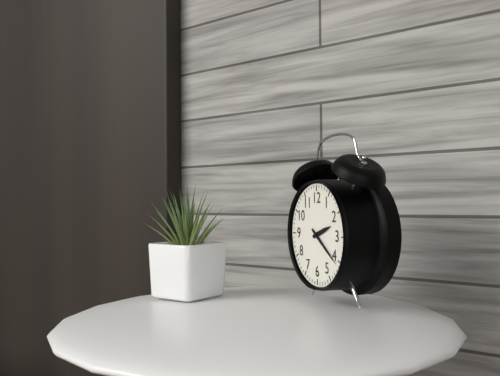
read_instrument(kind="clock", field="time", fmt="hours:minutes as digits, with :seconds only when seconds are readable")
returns 2:21
